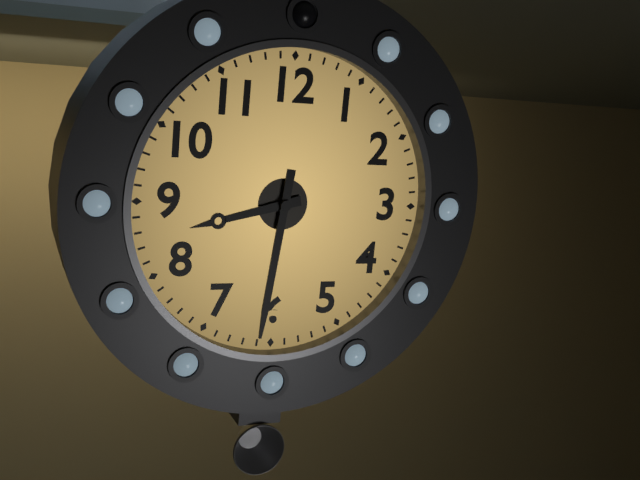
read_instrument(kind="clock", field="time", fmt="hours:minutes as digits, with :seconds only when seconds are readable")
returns 8:31
